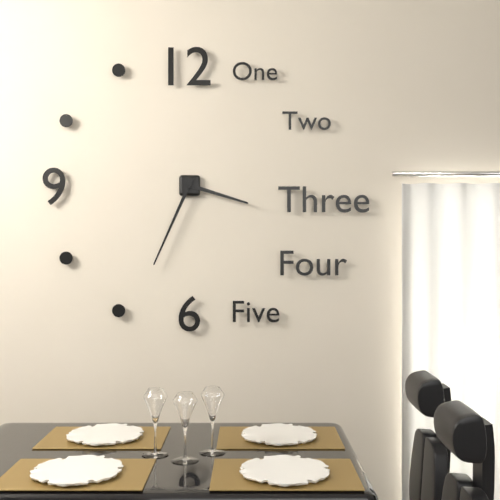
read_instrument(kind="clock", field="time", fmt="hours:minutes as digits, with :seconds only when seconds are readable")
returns 3:34
